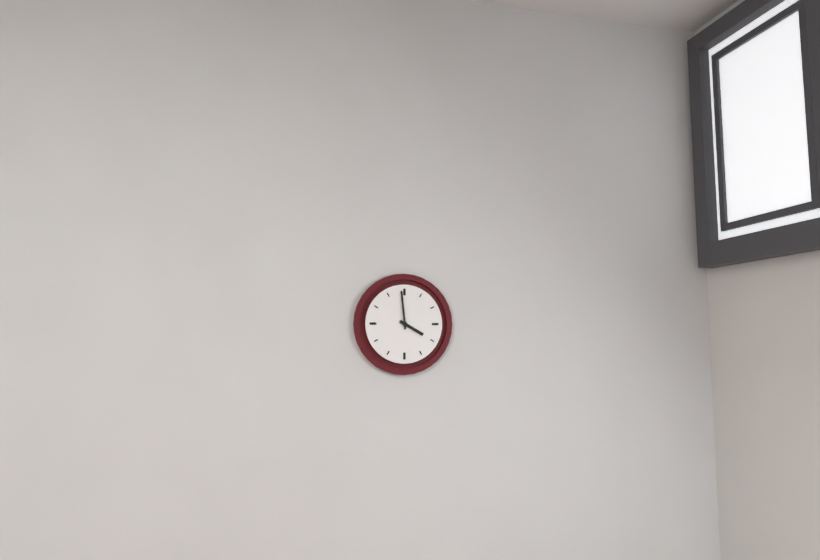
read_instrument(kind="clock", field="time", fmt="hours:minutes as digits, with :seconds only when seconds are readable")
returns 3:59
